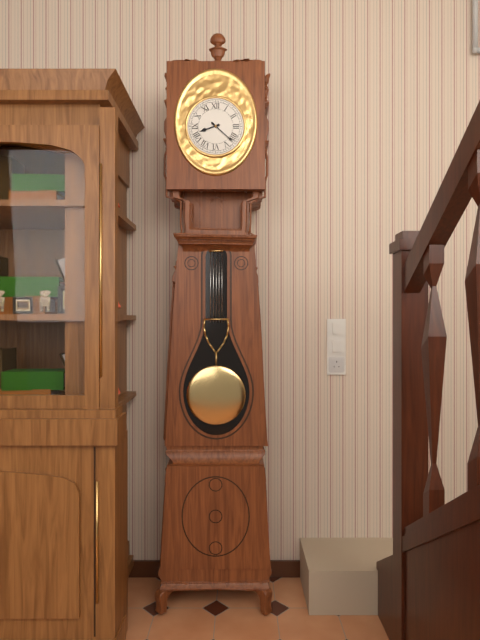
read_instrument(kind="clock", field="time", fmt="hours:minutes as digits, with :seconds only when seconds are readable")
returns 8:22
